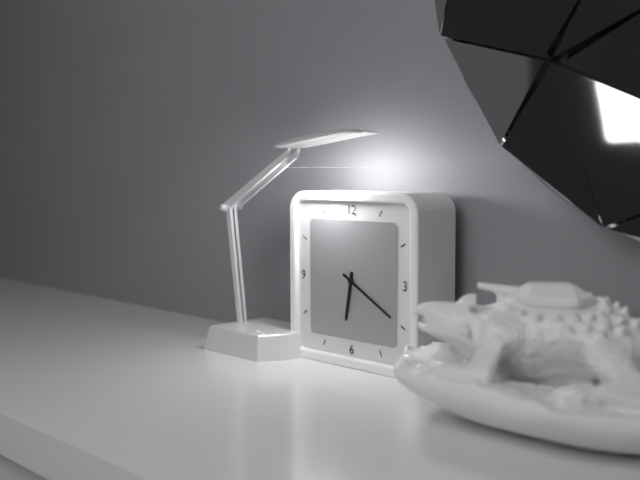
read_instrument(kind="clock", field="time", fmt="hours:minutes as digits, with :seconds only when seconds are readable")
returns 6:20
